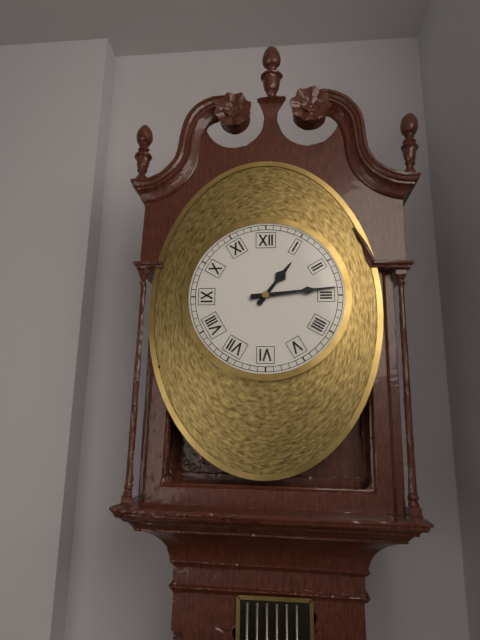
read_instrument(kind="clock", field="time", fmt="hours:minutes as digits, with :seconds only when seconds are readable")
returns 1:14
